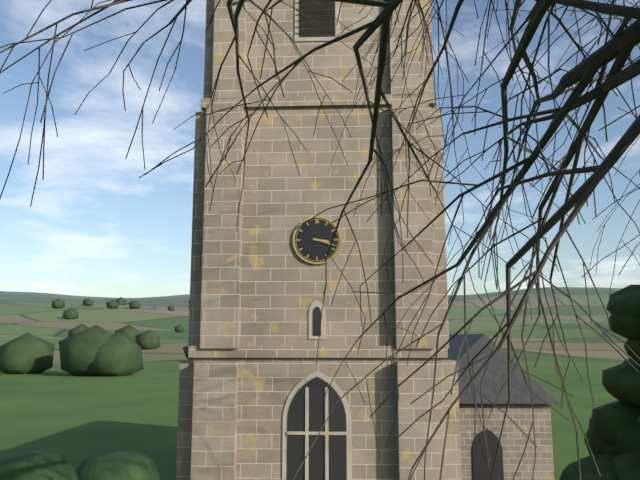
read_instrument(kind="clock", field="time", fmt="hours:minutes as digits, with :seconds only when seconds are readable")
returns 3:18
